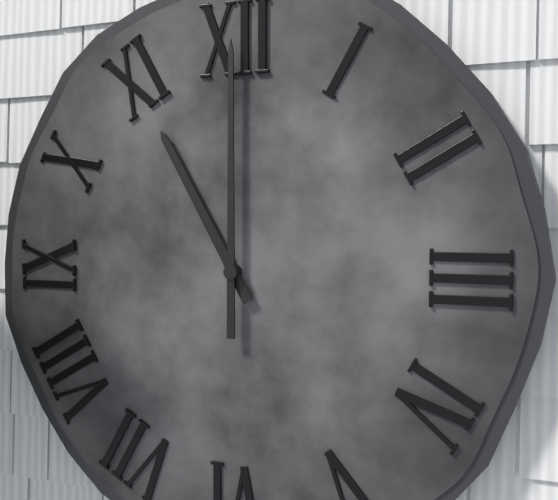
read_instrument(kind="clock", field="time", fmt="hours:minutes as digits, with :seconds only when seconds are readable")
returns 11:00
